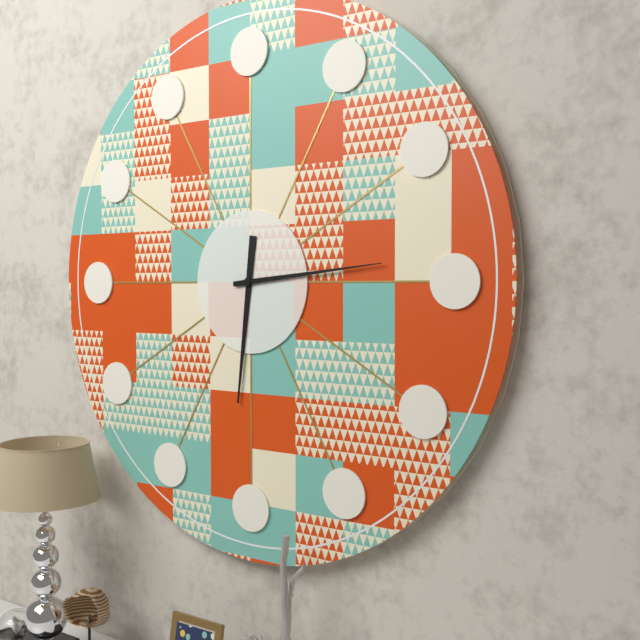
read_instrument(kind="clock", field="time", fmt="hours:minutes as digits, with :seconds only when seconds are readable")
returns 6:14
